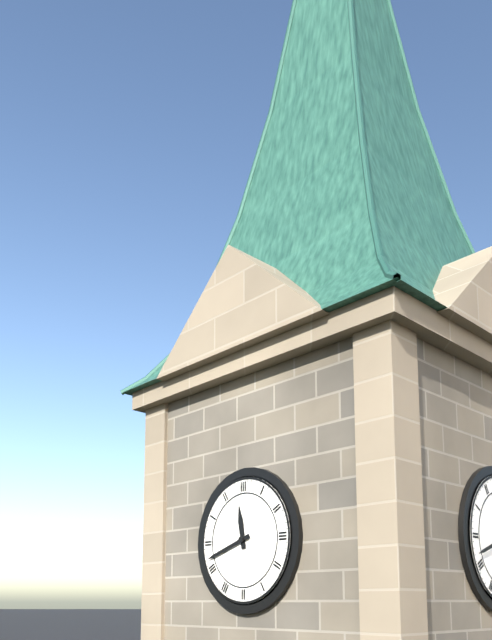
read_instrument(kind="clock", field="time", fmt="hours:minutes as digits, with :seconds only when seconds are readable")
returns 11:42
